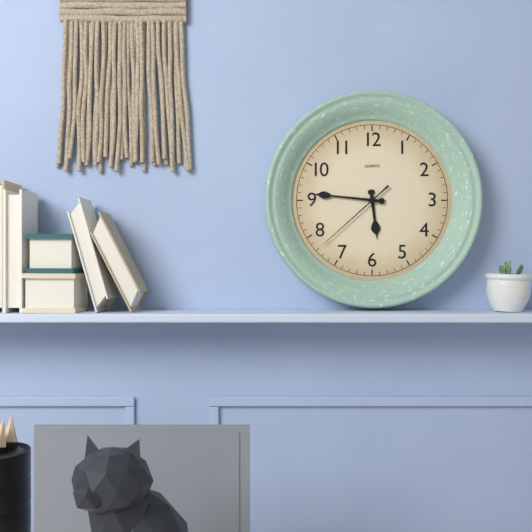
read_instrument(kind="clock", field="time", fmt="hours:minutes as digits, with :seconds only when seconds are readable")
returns 5:46:38
